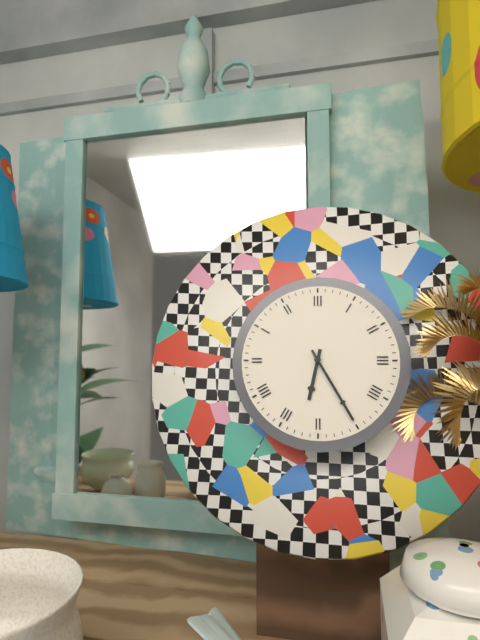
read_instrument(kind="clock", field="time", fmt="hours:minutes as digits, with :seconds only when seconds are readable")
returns 6:25
